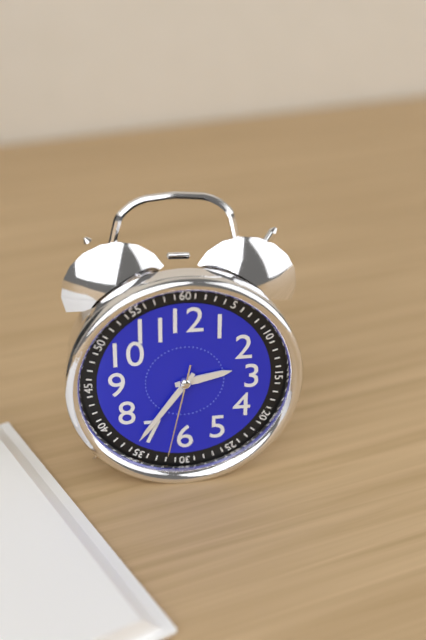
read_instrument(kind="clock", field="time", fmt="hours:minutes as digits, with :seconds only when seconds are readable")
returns 2:36:32
